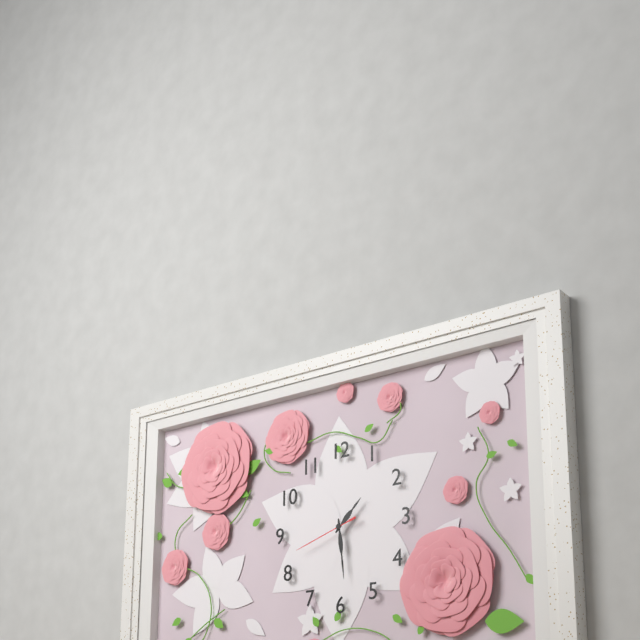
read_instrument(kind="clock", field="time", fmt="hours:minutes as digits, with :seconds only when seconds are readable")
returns 1:29:42
